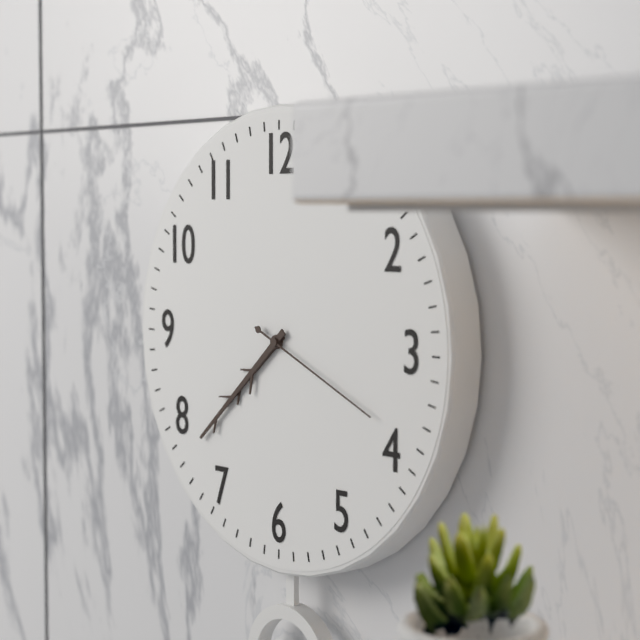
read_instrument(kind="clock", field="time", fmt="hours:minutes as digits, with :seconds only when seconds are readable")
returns 7:38:19
